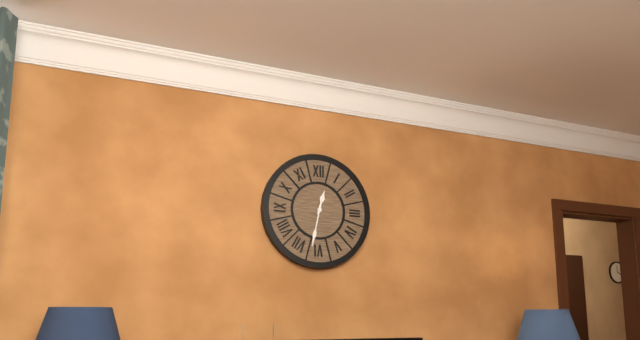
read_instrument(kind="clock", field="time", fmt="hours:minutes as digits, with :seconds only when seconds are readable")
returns 12:32
